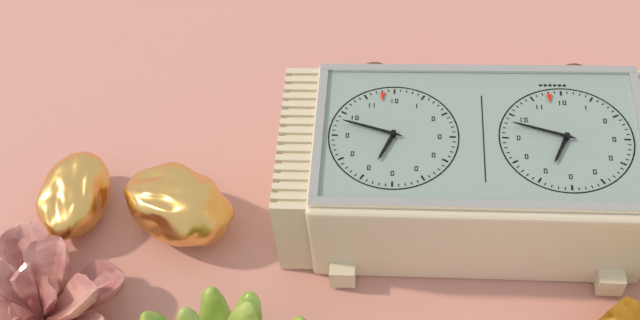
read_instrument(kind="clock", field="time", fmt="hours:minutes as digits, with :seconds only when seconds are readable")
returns 6:48
